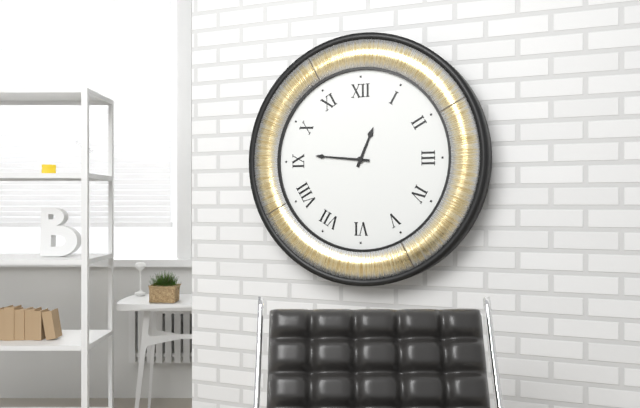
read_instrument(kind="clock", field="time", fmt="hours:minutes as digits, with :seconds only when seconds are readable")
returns 12:46
